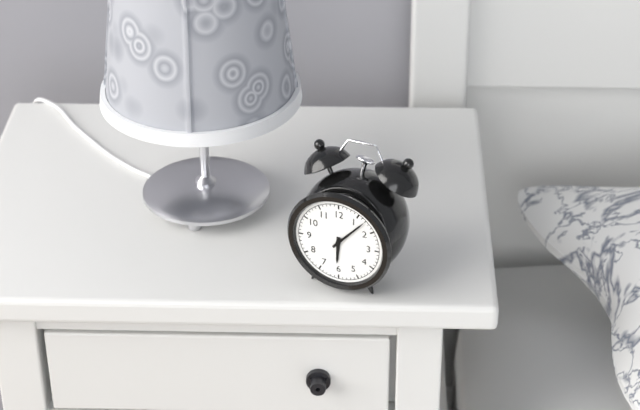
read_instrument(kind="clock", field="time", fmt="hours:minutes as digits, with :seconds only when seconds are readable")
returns 6:07
